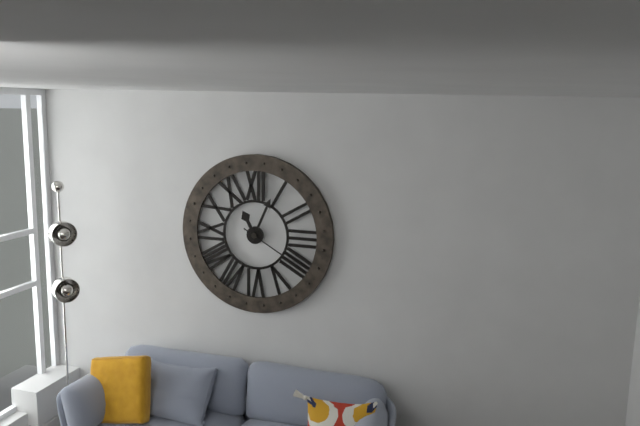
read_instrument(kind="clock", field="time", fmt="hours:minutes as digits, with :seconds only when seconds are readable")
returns 11:04:20
